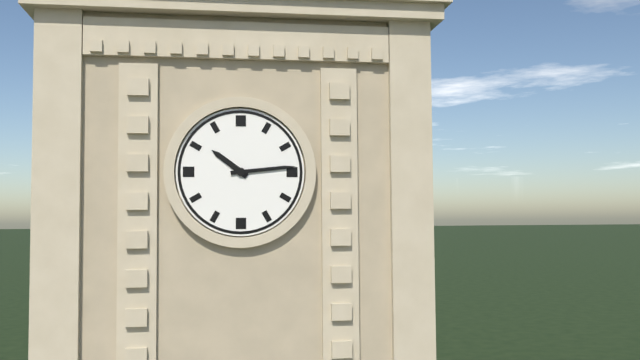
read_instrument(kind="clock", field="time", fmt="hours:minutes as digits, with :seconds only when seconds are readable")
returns 10:14
